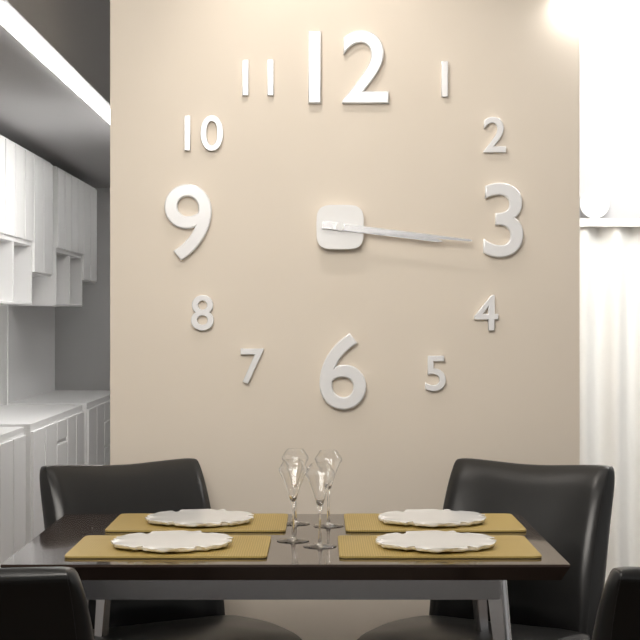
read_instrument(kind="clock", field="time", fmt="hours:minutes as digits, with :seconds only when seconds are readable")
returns 3:16
